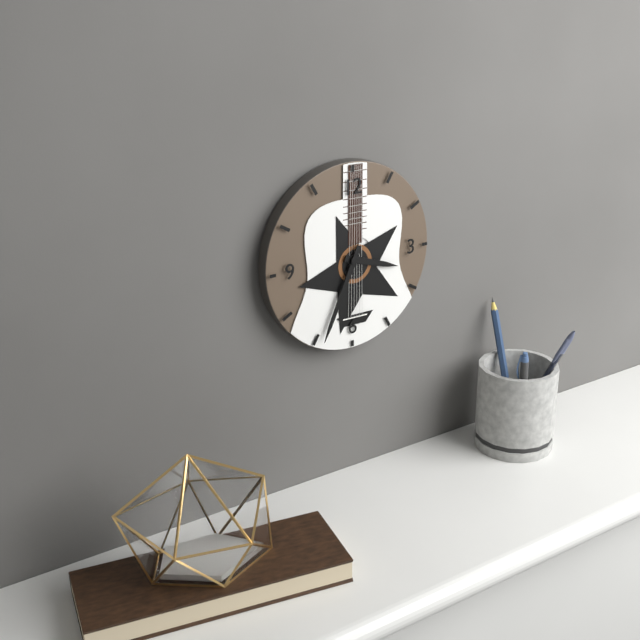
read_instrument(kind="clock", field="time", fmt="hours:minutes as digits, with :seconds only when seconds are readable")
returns 3:34
